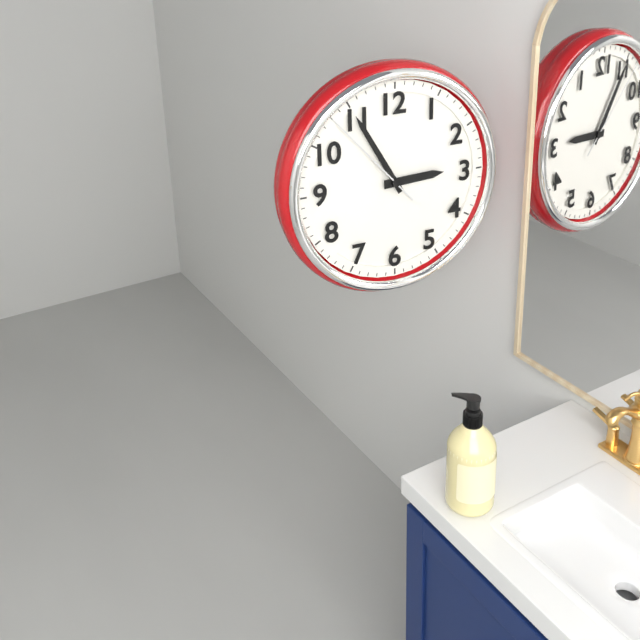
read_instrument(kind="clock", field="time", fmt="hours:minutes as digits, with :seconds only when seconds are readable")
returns 2:55:53
